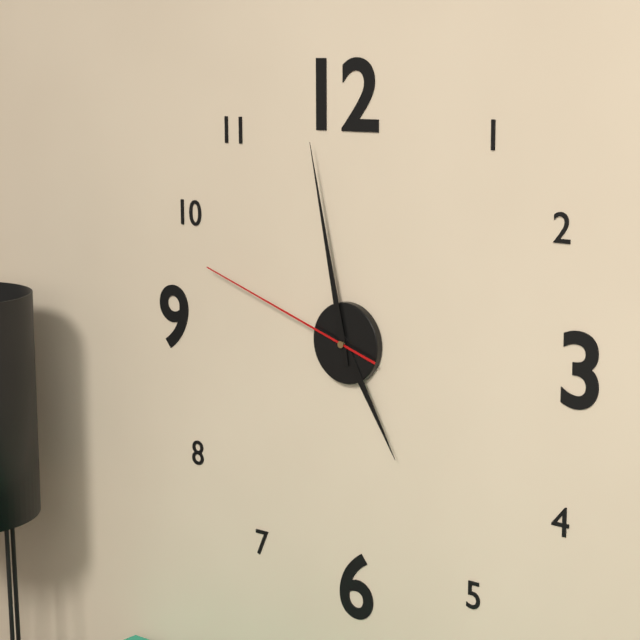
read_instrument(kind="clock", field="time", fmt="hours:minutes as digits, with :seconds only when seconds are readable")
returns 4:58:48
